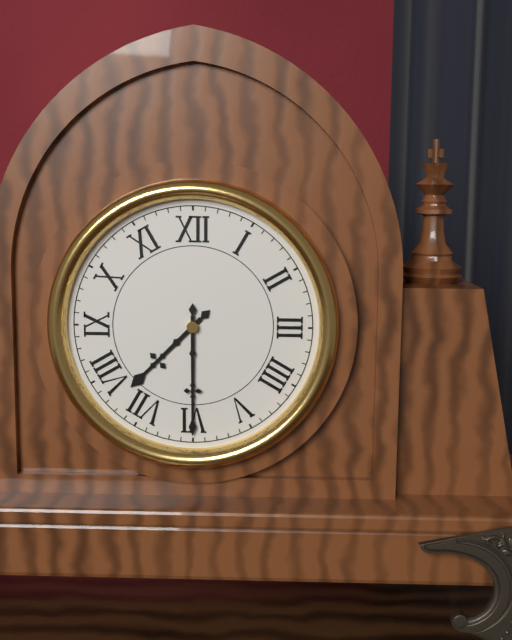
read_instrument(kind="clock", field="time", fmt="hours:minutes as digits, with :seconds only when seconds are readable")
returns 7:30
